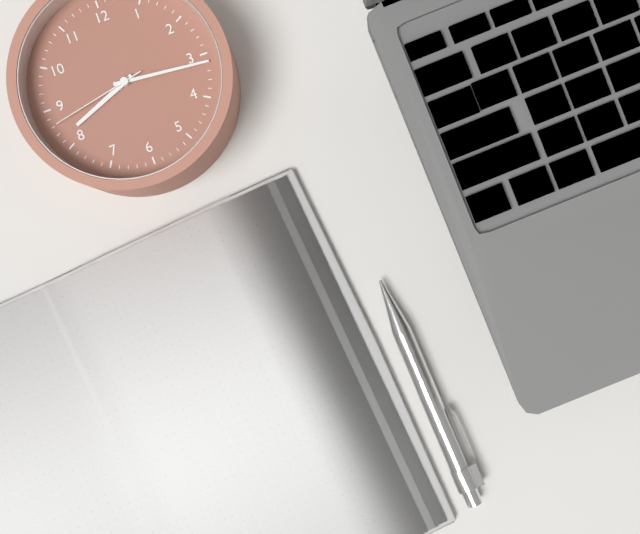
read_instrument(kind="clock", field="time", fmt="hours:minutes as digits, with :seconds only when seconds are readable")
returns 8:16:43
